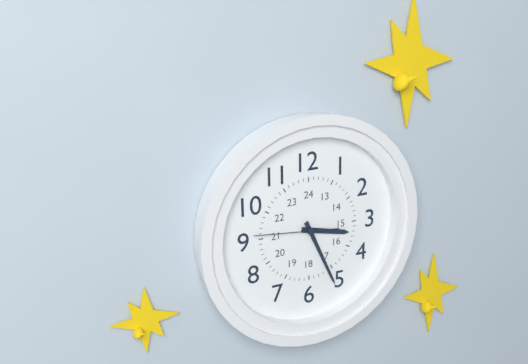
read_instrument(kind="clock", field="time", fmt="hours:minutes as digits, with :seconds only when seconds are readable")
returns 3:26:46
